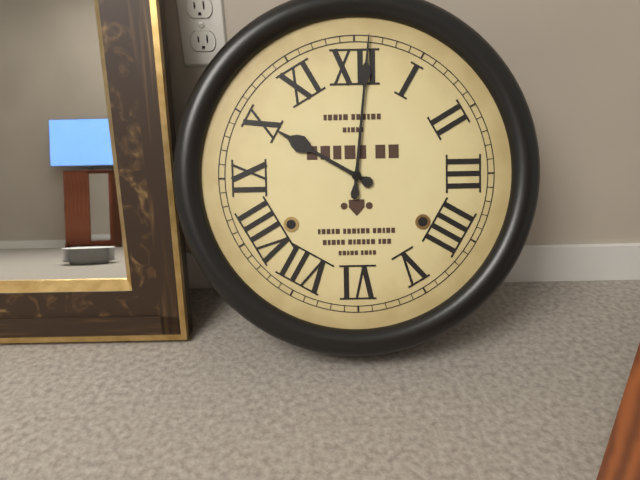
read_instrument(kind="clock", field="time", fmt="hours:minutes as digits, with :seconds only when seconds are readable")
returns 10:01
